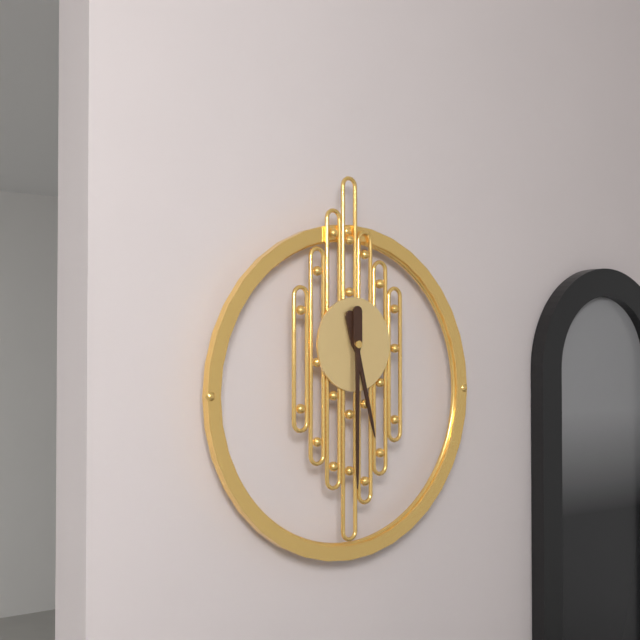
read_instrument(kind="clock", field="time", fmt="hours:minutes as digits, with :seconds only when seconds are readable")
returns 5:30
